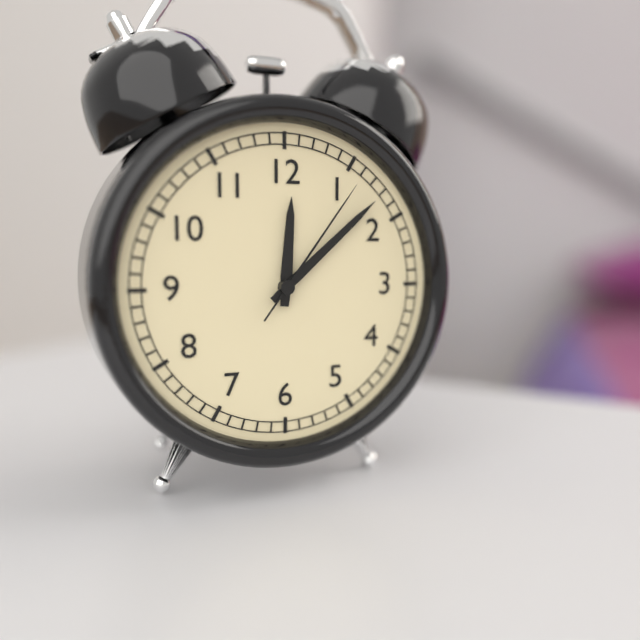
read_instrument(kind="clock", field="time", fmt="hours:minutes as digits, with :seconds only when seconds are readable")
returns 12:08:06
